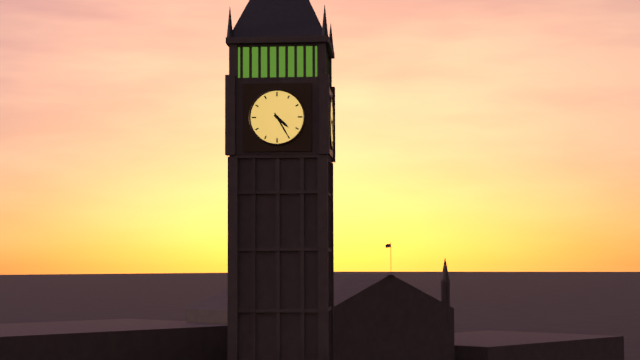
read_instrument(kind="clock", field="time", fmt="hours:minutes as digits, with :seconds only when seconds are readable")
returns 4:25
